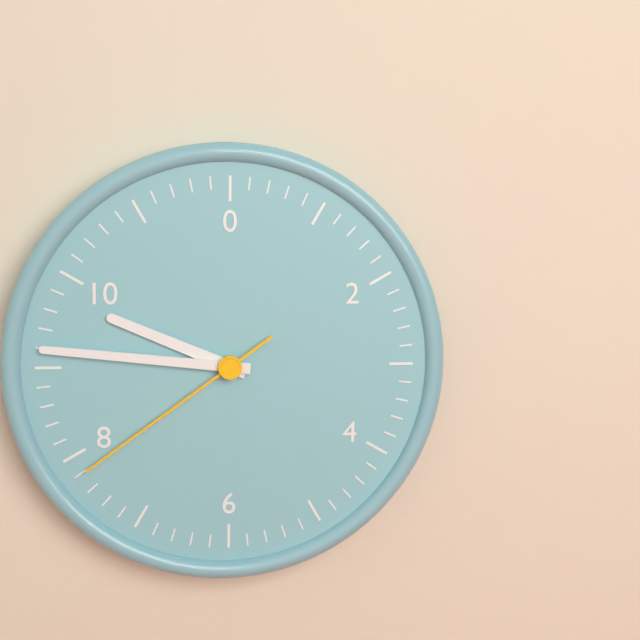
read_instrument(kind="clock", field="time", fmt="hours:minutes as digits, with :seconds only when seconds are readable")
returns 9:46:39
